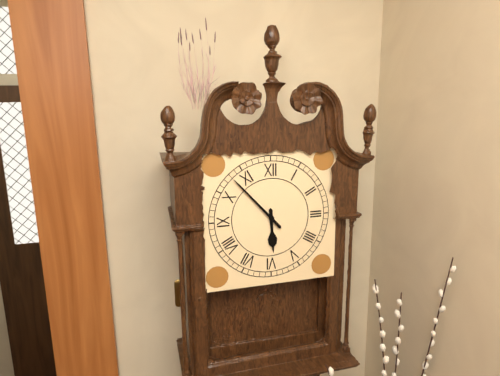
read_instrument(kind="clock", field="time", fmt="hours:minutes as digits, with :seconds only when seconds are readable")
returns 5:53
